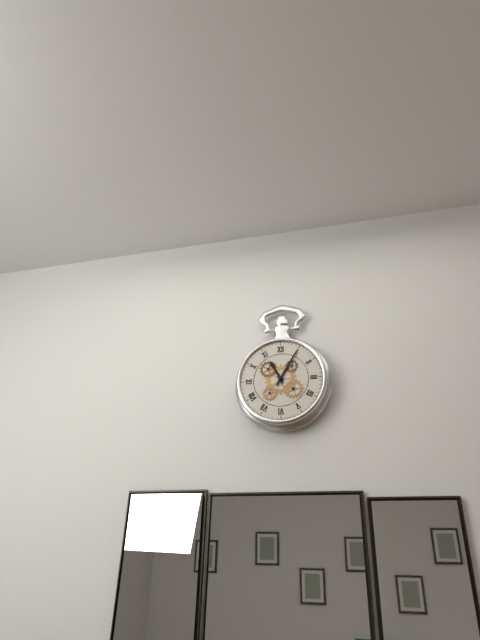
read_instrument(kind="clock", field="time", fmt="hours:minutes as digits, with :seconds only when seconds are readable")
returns 11:05
